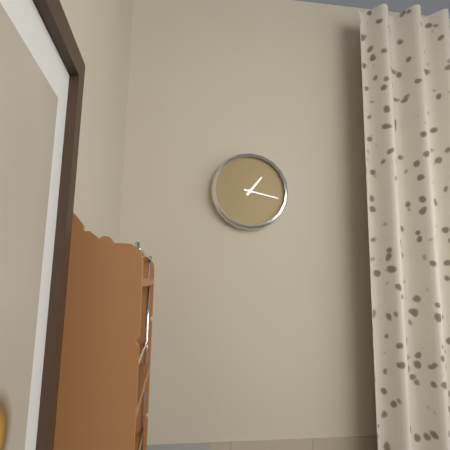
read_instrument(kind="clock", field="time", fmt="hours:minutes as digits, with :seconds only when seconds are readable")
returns 1:17
